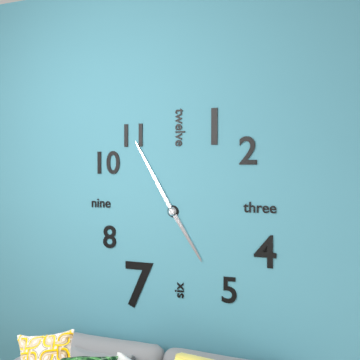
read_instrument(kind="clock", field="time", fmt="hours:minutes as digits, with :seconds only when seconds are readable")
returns 4:55
